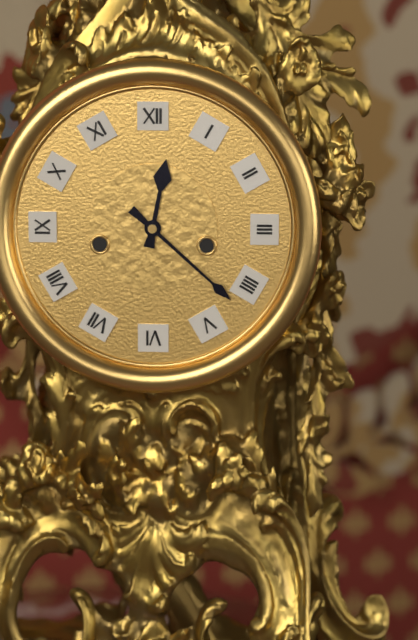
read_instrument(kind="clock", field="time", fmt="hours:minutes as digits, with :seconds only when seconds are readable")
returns 12:22
